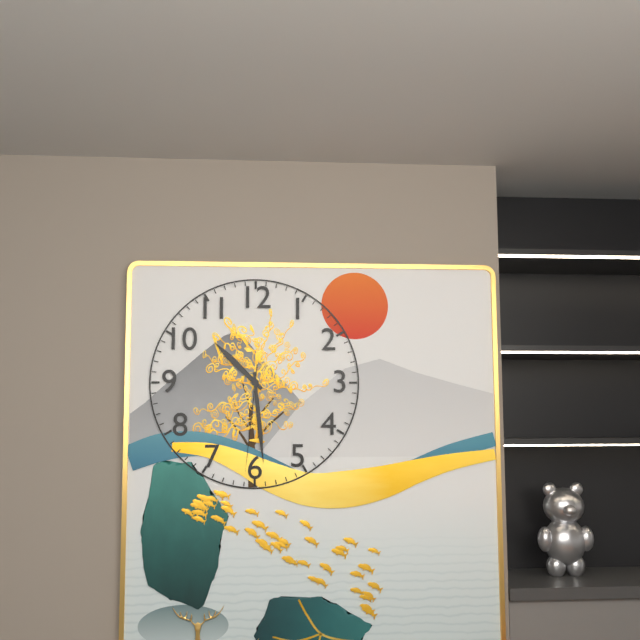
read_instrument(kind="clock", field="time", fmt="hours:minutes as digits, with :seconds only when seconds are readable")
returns 10:29:31
